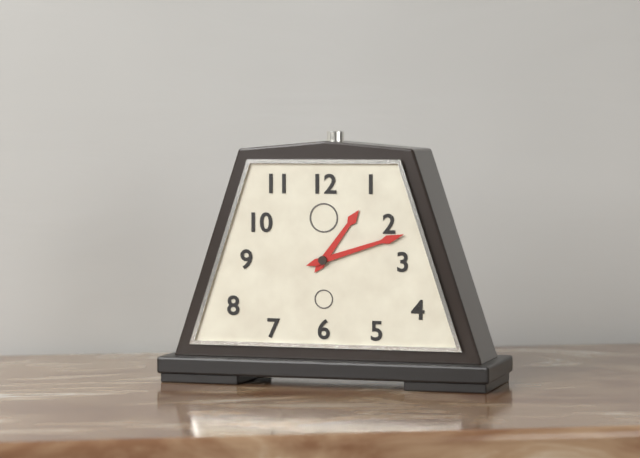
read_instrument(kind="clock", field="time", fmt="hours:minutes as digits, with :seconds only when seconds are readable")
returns 1:12
